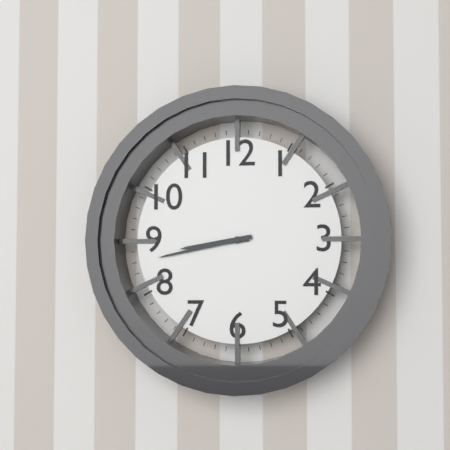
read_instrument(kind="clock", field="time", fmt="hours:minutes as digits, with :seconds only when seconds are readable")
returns 8:43
